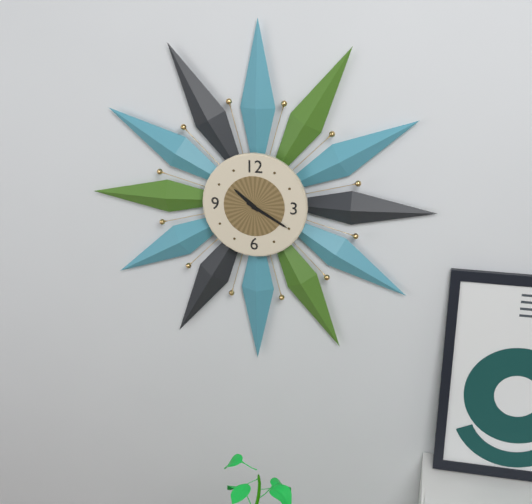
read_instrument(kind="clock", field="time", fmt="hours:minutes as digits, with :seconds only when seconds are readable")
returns 10:20
